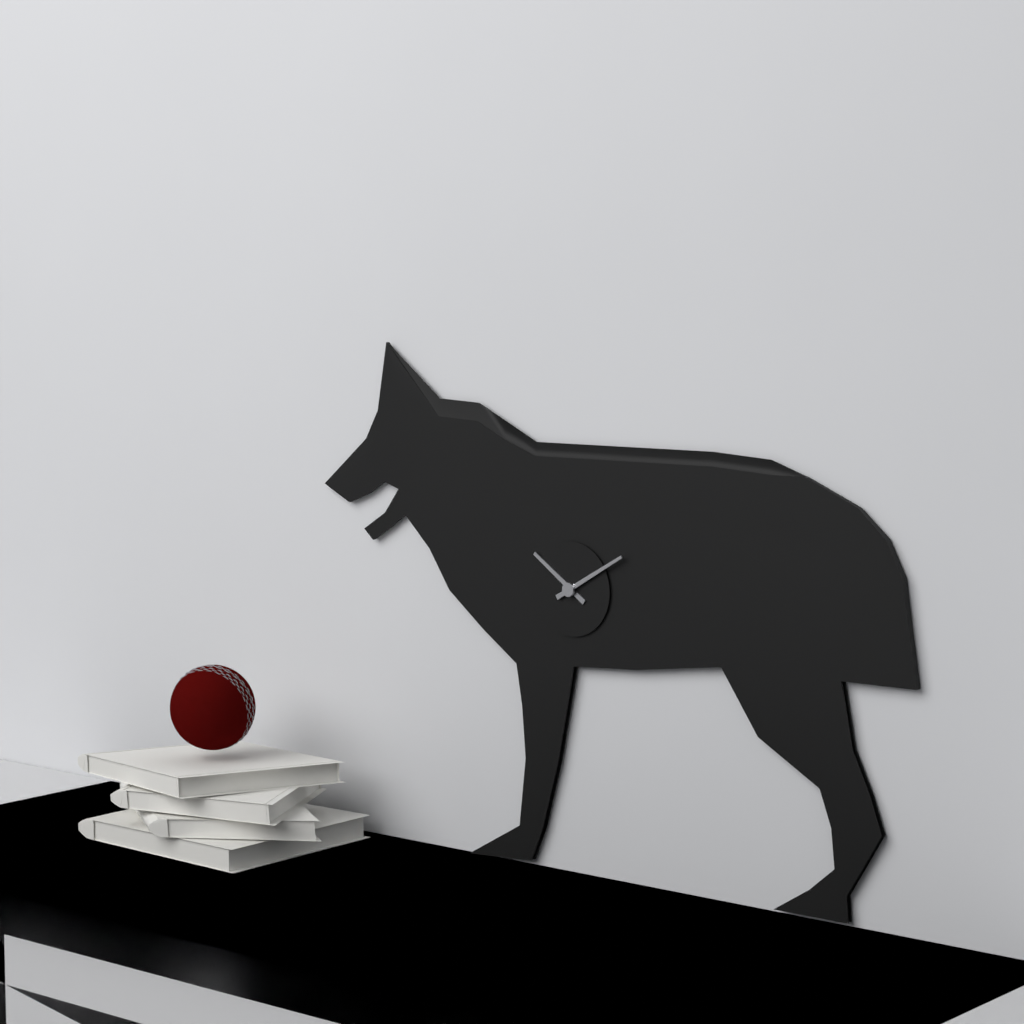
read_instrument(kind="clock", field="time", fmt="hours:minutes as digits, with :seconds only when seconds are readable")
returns 10:10
